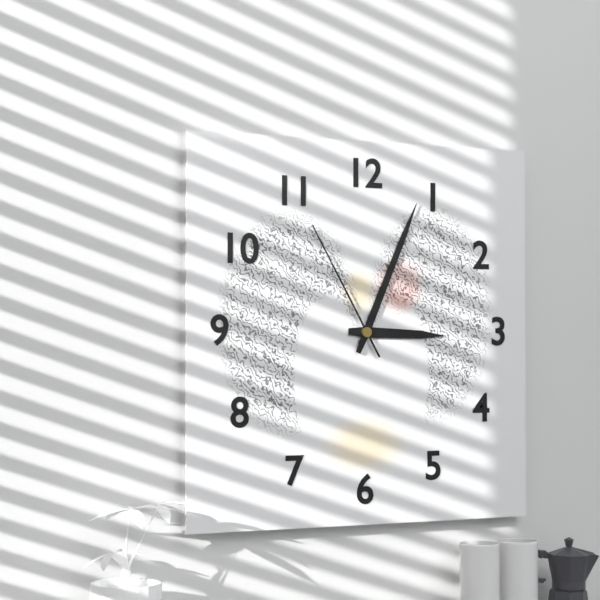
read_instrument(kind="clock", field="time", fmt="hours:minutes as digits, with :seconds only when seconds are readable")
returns 3:04:55
